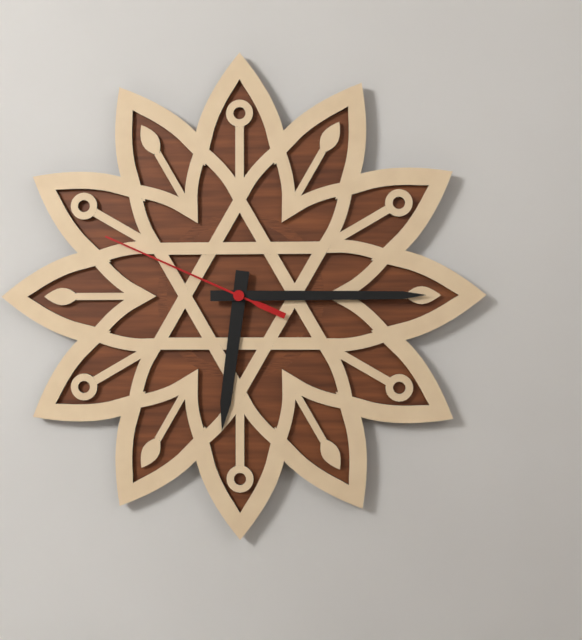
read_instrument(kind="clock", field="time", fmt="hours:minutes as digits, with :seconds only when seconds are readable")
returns 6:15:49
